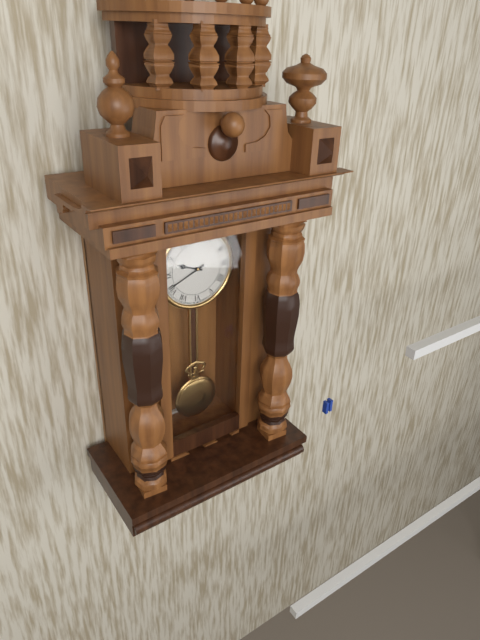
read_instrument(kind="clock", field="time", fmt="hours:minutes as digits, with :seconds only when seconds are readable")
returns 9:41
